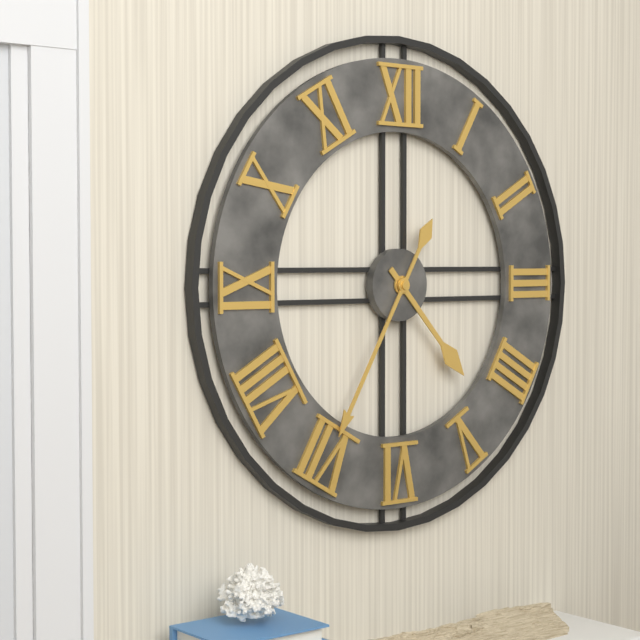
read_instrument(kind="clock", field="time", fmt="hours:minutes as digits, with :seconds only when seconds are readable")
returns 4:35
